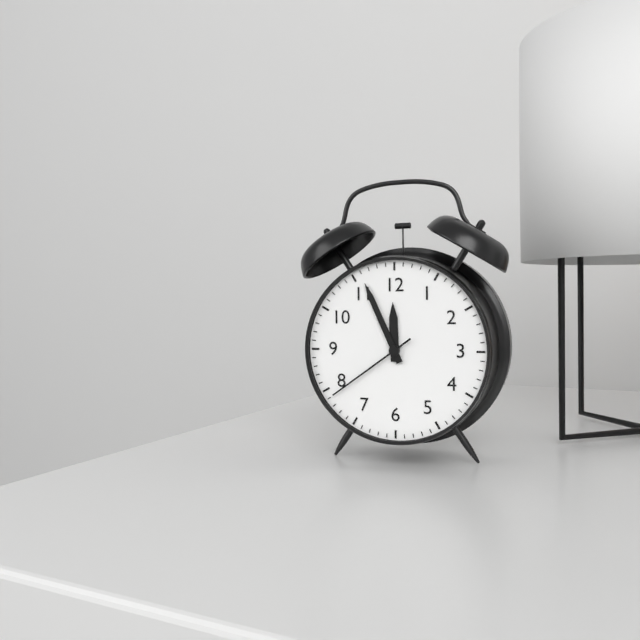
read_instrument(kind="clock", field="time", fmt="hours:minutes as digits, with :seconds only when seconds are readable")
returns 11:56:39
